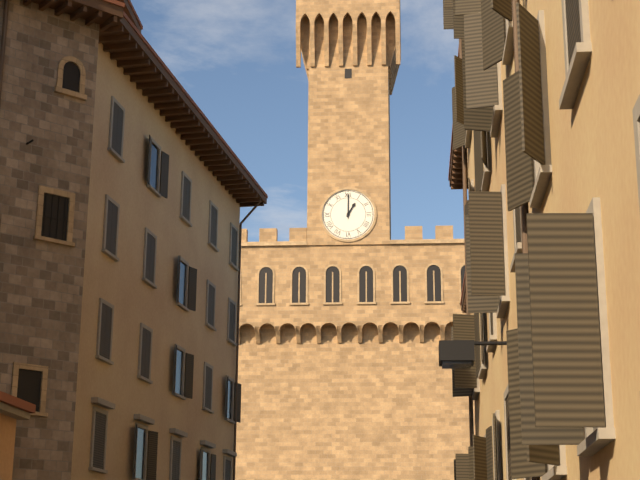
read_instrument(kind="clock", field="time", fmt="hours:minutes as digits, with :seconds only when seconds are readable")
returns 1:00
